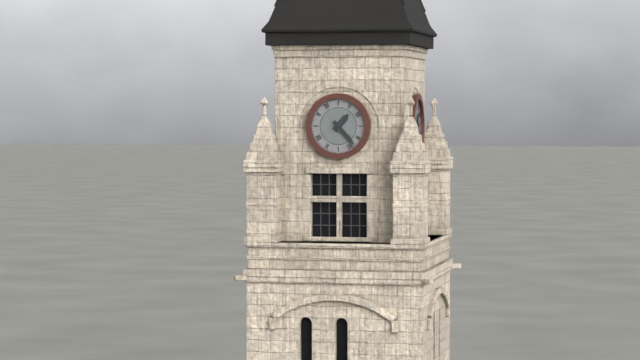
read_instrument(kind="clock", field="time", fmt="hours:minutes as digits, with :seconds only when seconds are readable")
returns 1:23
